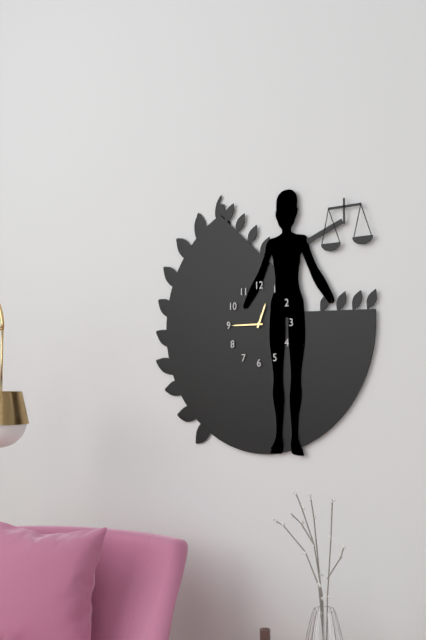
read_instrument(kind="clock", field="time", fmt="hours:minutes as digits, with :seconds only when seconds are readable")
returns 12:45
